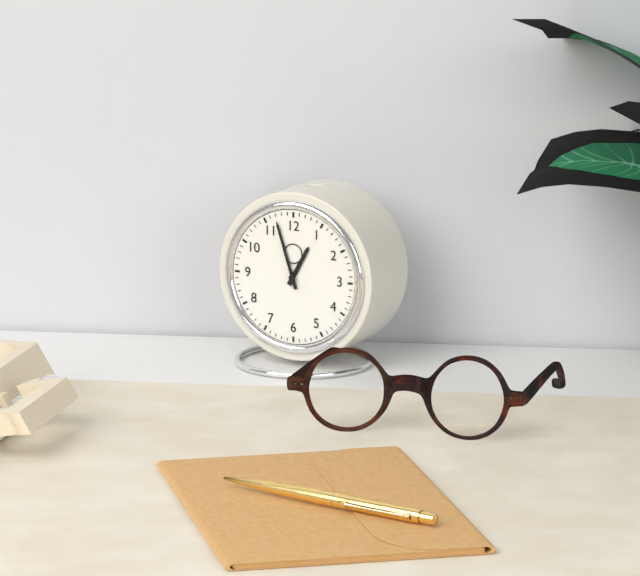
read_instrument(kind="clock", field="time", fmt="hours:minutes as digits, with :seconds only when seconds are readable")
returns 12:57
